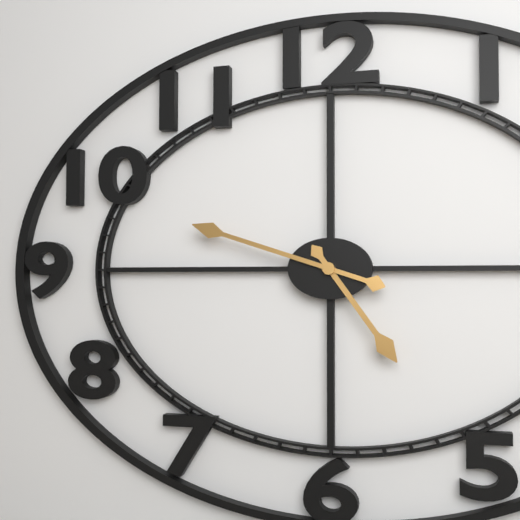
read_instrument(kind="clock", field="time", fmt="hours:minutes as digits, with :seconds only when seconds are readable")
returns 4:48
